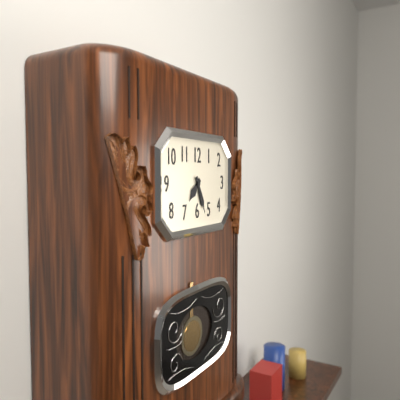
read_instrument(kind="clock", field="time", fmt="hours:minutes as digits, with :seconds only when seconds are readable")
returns 7:26
